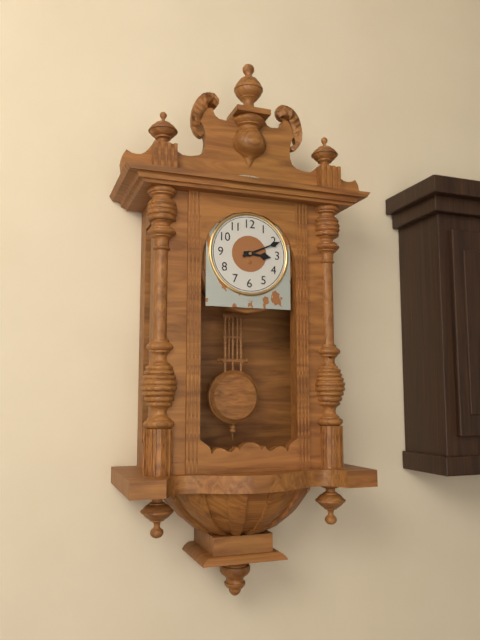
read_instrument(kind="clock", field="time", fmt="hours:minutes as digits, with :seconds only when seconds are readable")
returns 3:11
